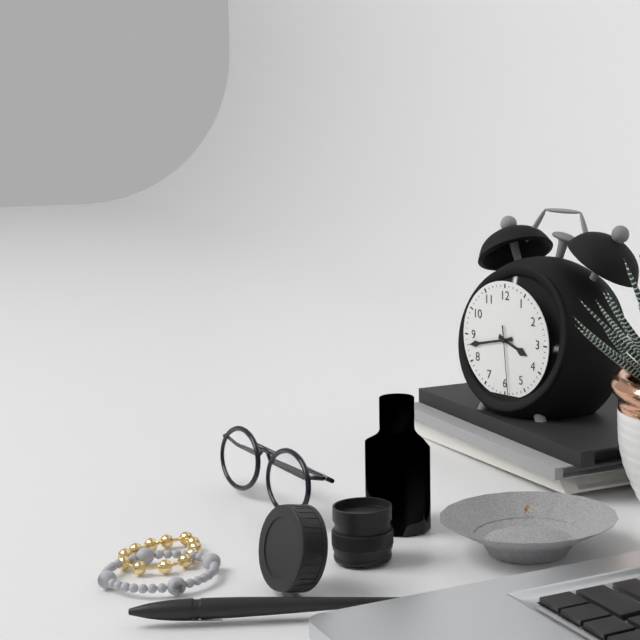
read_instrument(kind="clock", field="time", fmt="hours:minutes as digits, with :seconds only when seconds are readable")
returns 3:43:29
